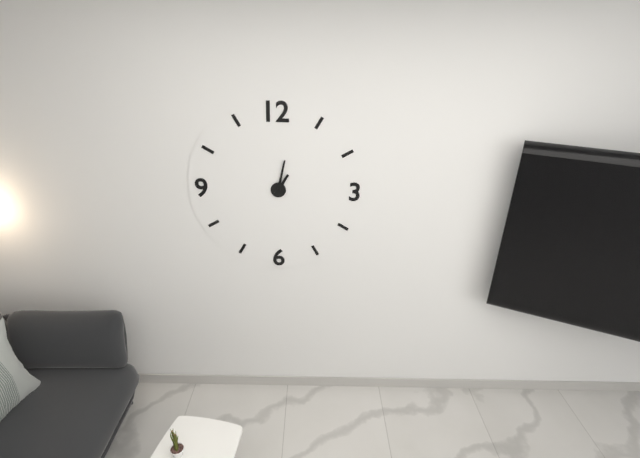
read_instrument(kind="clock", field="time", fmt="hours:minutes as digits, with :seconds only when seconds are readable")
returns 1:02
